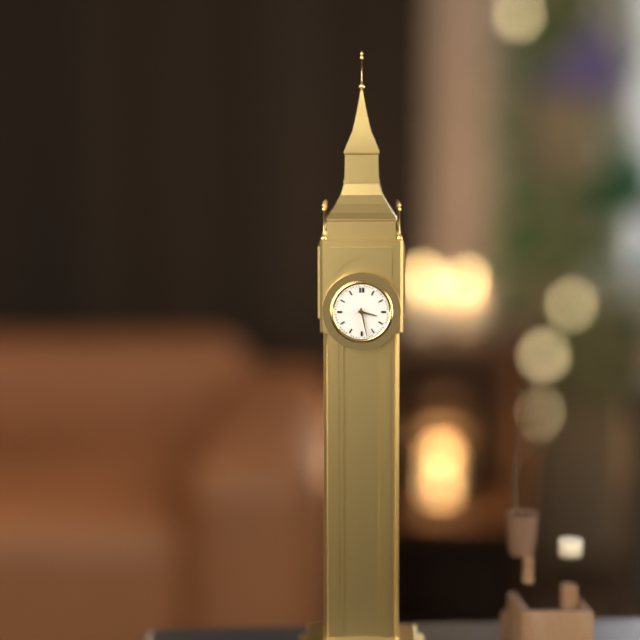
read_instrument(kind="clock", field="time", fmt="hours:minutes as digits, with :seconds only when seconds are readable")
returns 3:28
